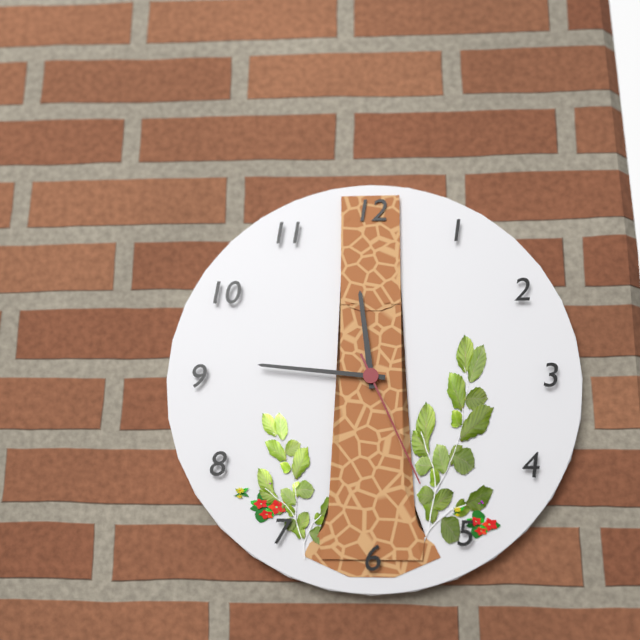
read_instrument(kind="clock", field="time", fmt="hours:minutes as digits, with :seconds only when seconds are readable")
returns 11:46:26
